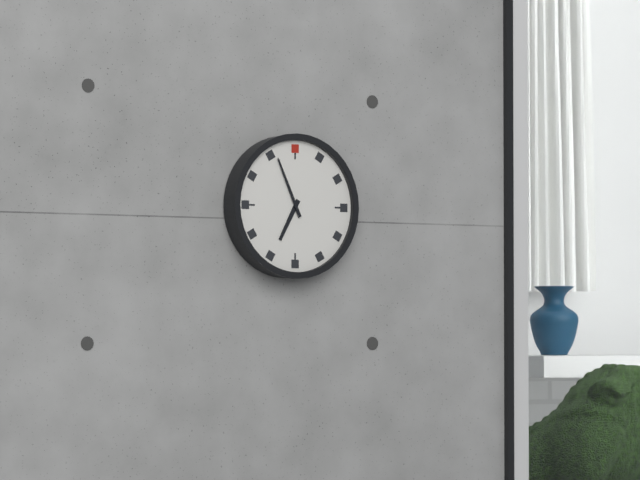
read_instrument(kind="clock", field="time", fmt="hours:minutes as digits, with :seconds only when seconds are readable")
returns 6:56
